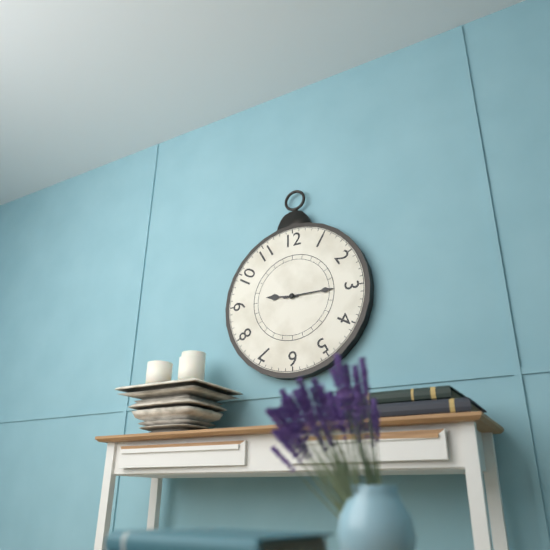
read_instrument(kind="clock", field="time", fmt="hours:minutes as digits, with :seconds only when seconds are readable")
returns 9:15
